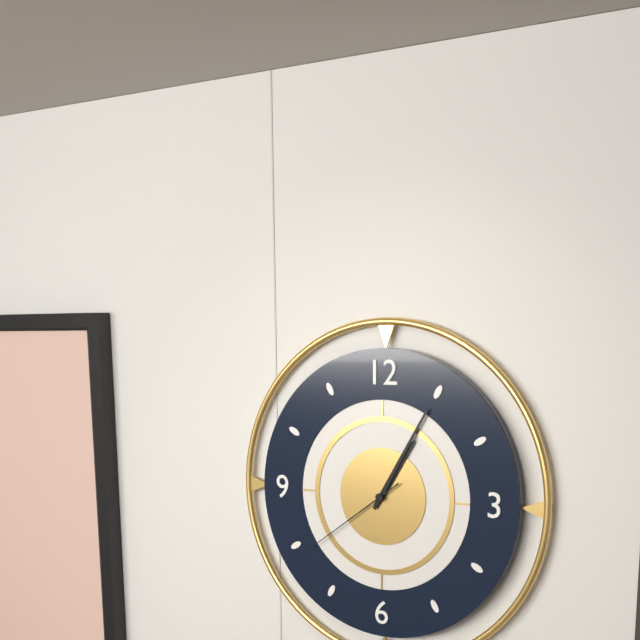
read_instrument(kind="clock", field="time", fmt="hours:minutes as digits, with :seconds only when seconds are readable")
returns 1:05:39
